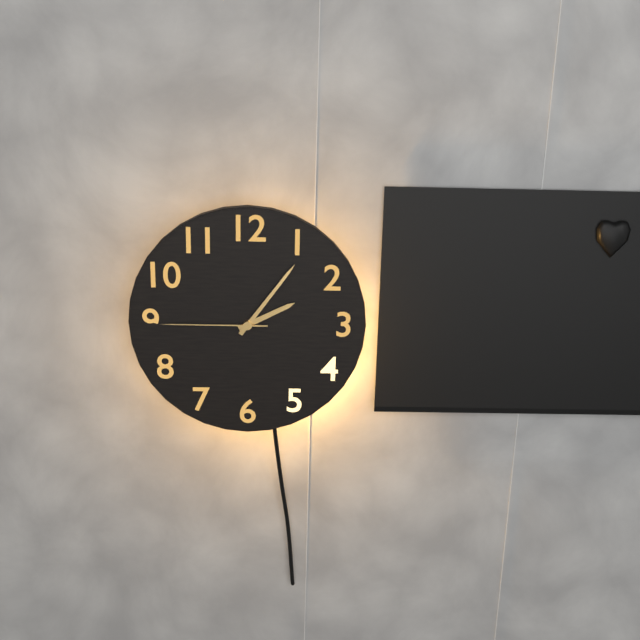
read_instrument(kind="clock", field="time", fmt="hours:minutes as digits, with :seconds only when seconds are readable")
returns 2:06:45
